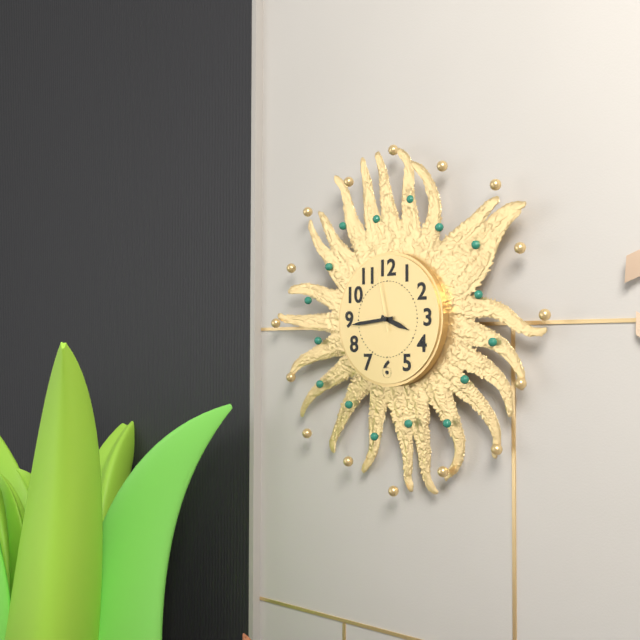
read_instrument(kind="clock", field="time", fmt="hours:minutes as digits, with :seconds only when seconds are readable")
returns 3:44:58
